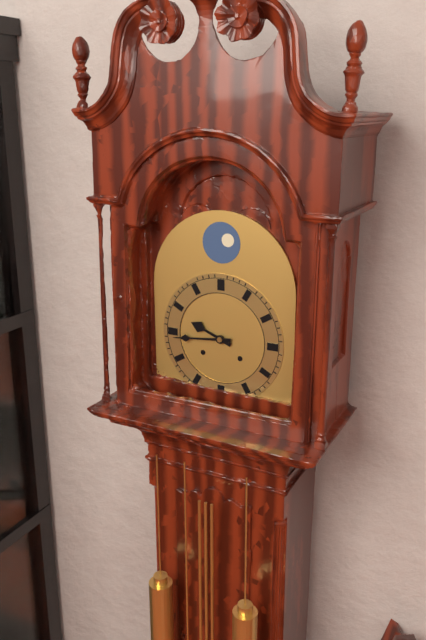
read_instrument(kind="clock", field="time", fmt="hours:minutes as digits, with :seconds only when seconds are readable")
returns 9:44
